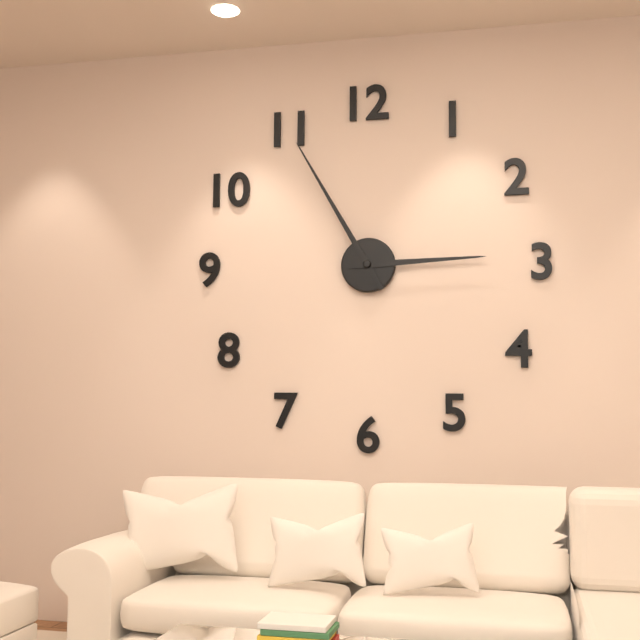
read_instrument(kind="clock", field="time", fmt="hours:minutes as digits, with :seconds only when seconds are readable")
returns 2:55
